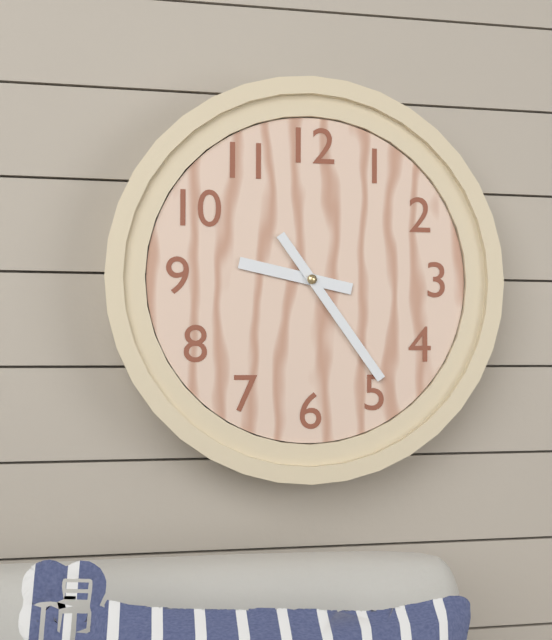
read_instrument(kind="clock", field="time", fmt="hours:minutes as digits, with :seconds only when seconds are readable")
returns 9:24
